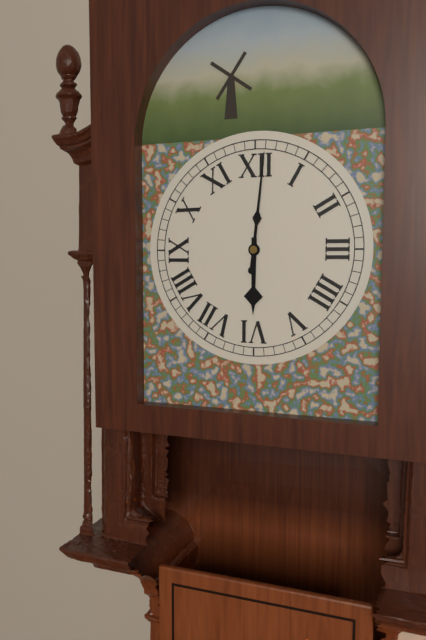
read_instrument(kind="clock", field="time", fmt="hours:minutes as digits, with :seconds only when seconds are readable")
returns 6:01
